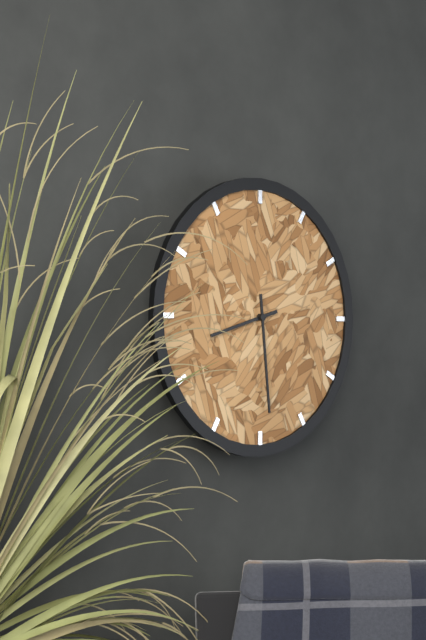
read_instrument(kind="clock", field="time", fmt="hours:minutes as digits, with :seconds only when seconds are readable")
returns 8:29
